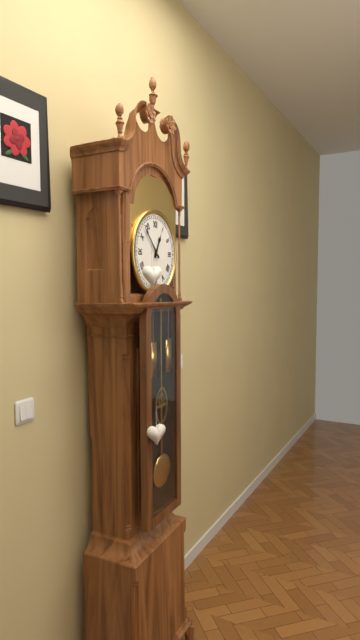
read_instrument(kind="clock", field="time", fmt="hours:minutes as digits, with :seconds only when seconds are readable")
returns 12:53
